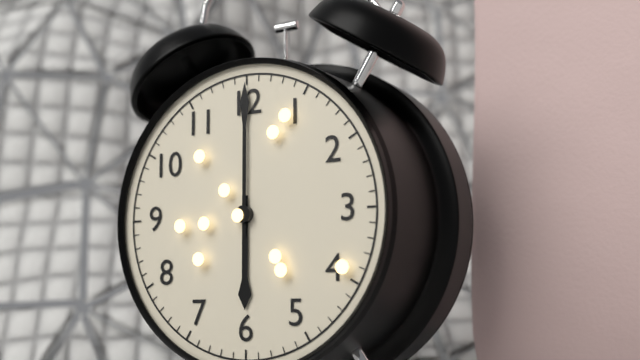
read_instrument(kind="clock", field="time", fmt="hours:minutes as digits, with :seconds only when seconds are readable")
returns 6:00
